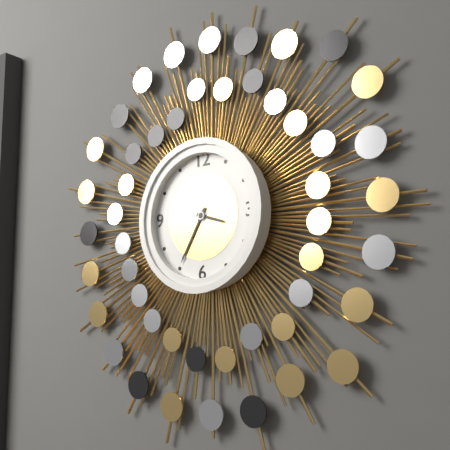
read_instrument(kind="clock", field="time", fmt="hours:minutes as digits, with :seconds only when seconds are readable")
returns 3:35
